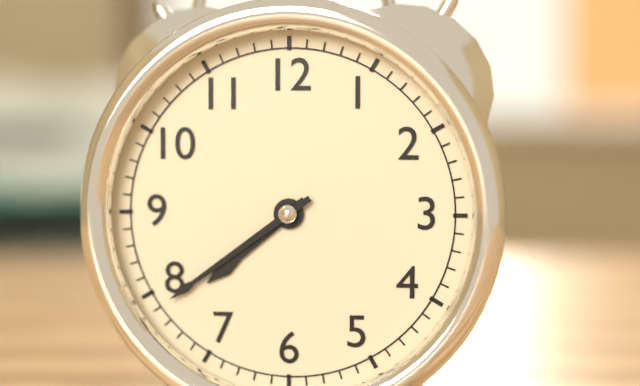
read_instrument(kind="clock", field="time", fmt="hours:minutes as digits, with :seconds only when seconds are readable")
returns 7:39
